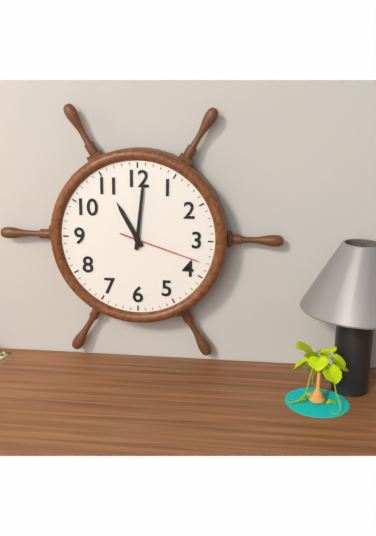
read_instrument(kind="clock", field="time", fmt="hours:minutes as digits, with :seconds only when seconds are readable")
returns 11:01:18
